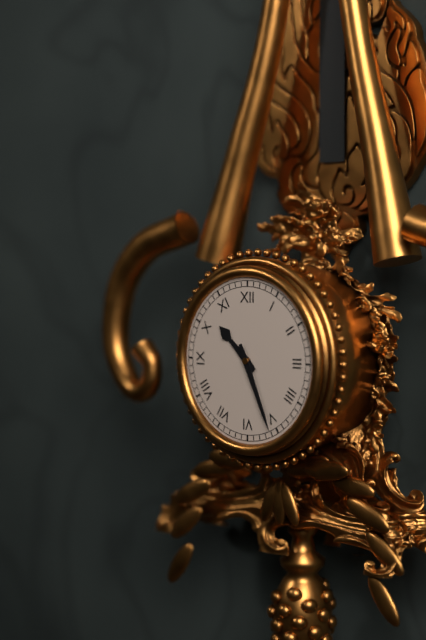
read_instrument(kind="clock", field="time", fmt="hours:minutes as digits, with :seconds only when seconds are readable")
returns 10:26
